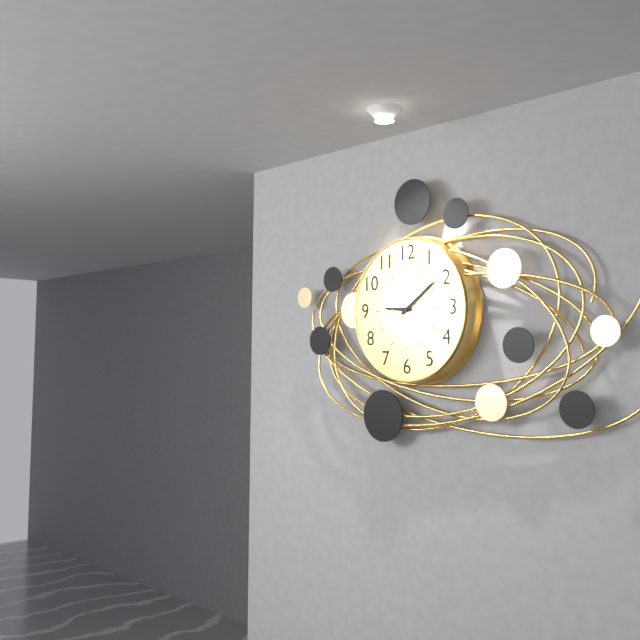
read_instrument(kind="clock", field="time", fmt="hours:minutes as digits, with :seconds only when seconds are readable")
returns 9:09
